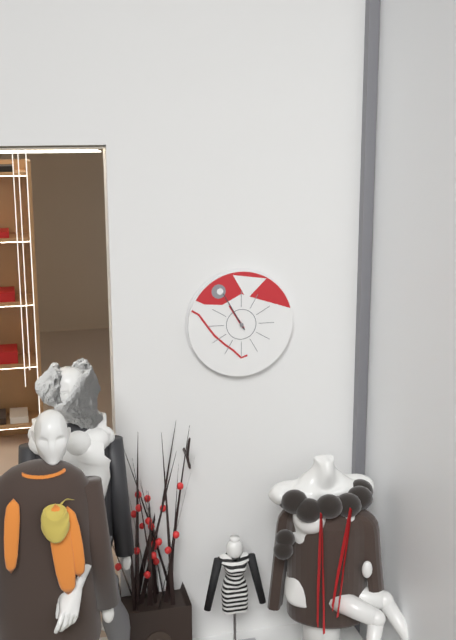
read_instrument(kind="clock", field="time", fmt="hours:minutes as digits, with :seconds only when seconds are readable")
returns 10:55
